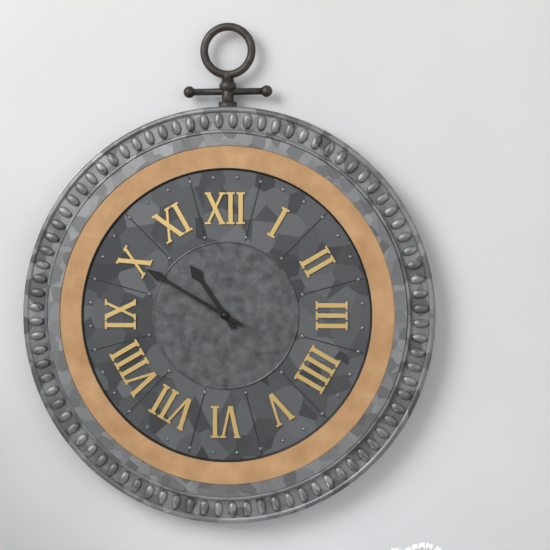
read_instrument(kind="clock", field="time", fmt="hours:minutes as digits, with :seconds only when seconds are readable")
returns 10:50
